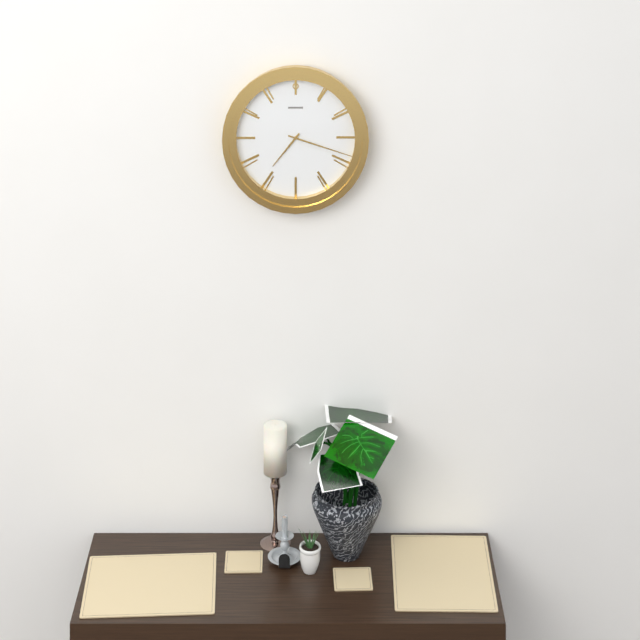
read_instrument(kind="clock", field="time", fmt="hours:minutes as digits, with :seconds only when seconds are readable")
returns 7:18
